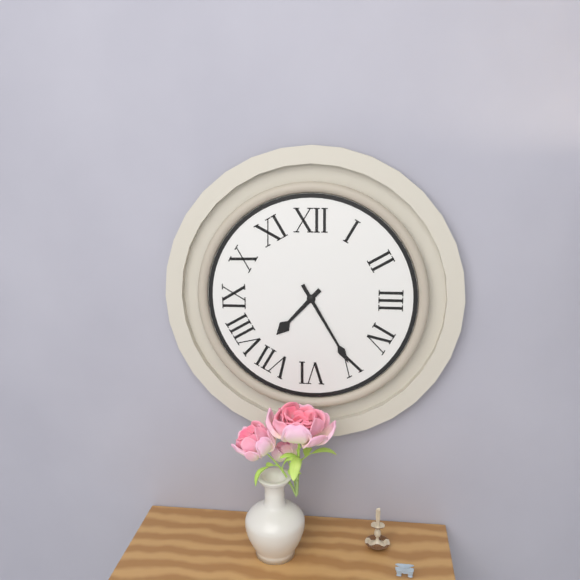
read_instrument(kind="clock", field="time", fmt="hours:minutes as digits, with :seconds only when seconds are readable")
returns 7:25
